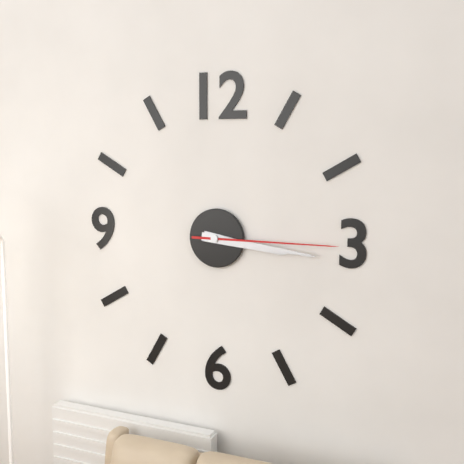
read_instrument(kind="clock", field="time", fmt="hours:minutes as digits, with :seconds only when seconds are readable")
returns 3:16:15
